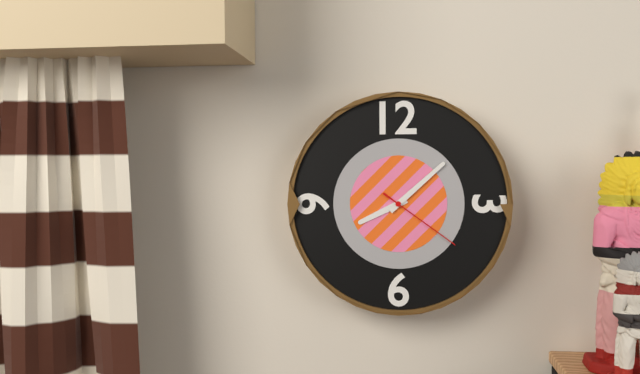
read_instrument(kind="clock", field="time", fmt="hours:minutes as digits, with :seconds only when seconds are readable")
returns 8:08:21
